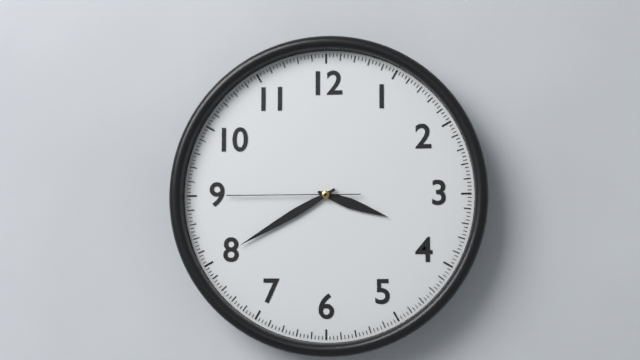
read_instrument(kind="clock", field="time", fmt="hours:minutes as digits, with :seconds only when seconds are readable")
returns 3:40:45
